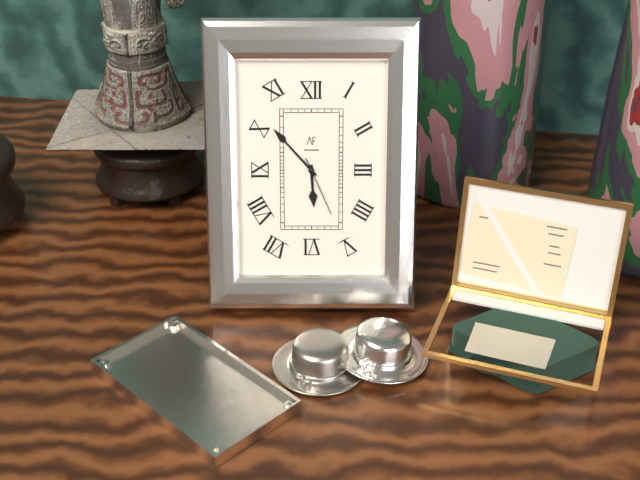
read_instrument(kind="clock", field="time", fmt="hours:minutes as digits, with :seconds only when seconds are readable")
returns 5:53:26
